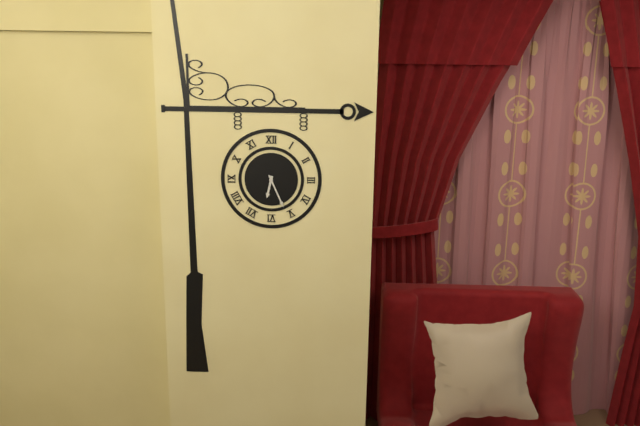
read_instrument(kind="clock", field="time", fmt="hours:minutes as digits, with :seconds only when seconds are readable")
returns 6:26
